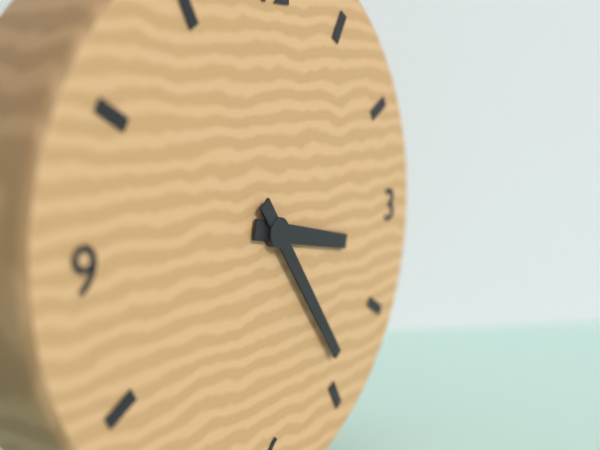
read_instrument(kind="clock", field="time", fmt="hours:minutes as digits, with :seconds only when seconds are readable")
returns 3:24
